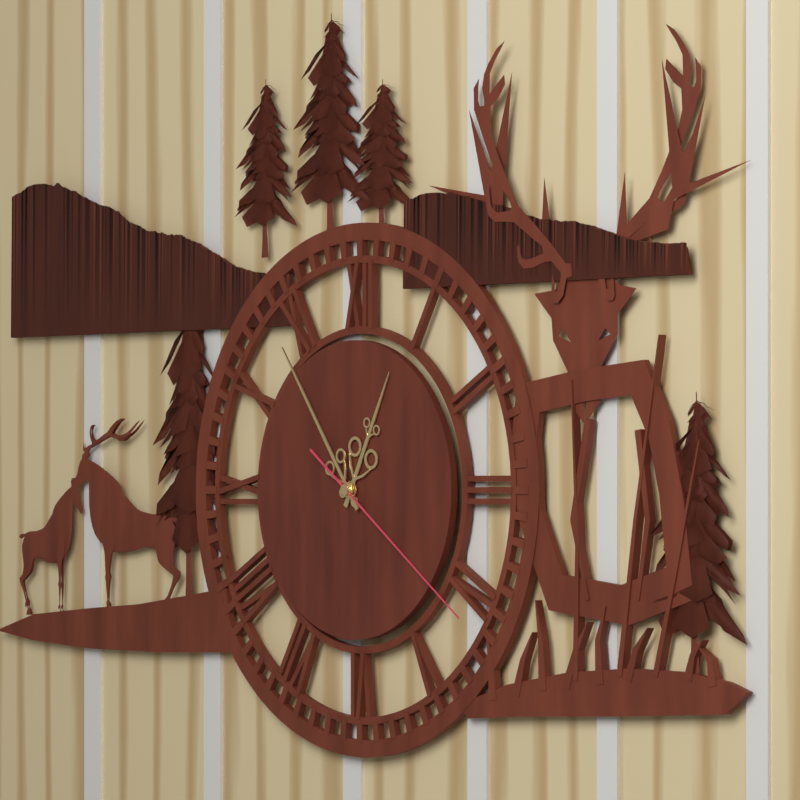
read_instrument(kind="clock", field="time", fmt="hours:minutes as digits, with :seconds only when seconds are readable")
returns 12:54:21
